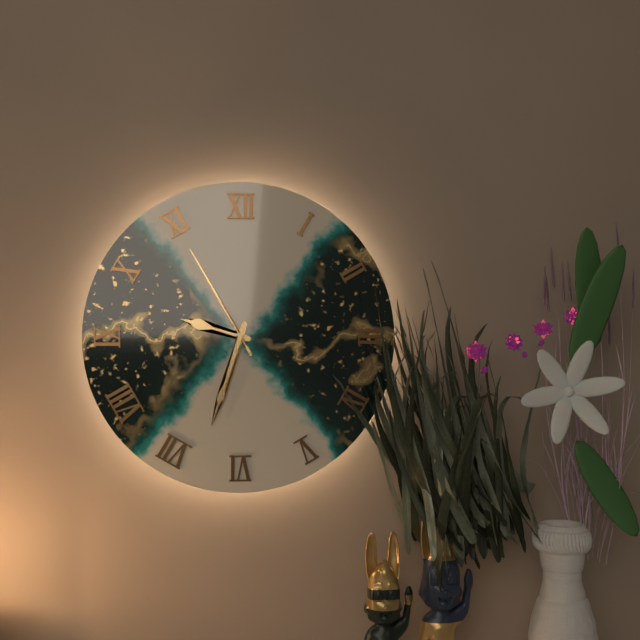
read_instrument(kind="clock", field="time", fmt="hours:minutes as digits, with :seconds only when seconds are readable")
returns 9:33:55
